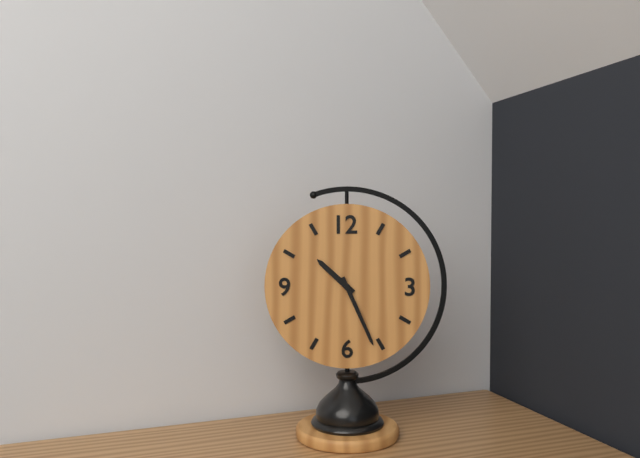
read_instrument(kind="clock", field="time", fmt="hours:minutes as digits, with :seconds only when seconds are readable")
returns 10:26
